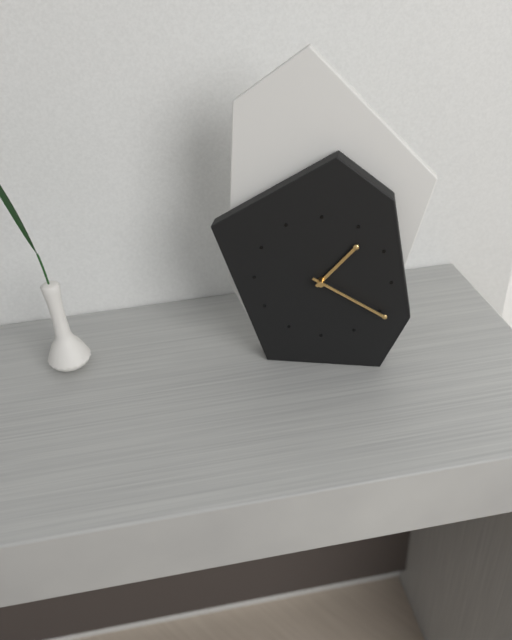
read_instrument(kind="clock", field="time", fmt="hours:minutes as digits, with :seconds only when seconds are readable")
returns 1:20
